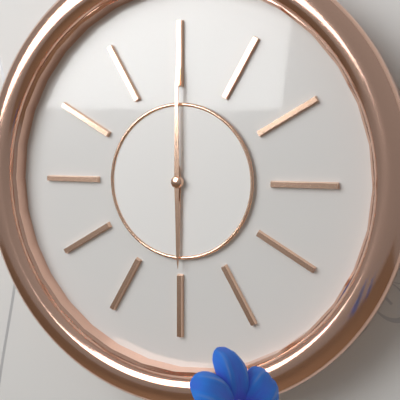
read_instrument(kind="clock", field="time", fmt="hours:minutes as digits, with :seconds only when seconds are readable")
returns 6:00
